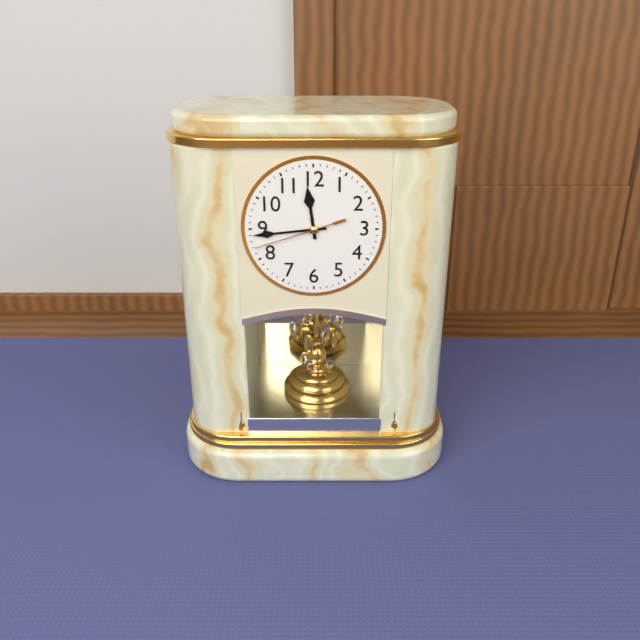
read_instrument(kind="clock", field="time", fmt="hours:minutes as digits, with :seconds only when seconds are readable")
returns 11:44:42
